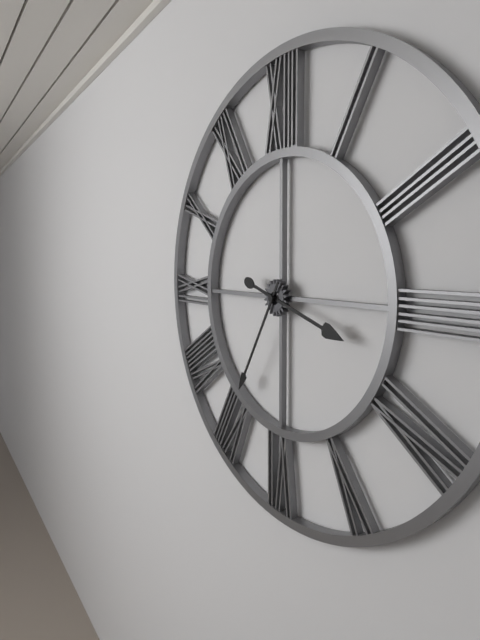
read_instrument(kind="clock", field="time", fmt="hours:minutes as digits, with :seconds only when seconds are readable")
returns 3:35
